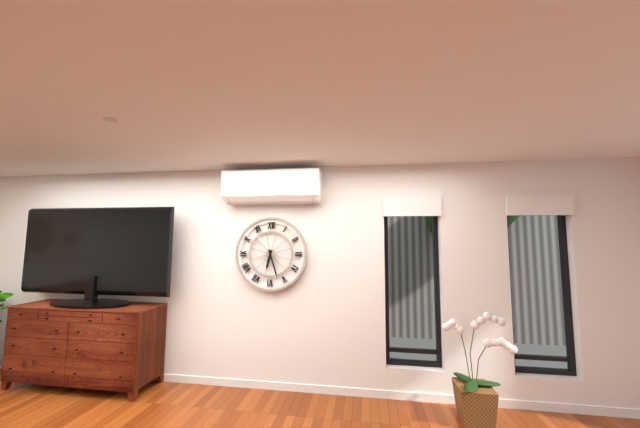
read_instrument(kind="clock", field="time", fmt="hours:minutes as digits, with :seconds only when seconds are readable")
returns 6:27
